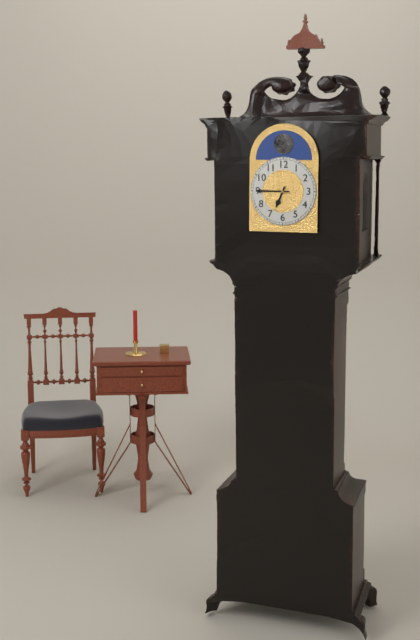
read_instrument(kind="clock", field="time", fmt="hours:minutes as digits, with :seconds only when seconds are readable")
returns 6:45
